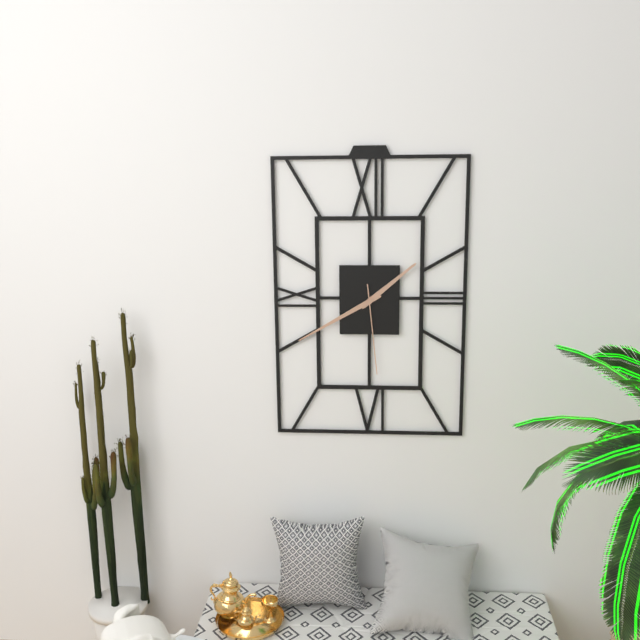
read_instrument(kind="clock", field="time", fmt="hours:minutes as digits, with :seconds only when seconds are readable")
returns 1:40:29
